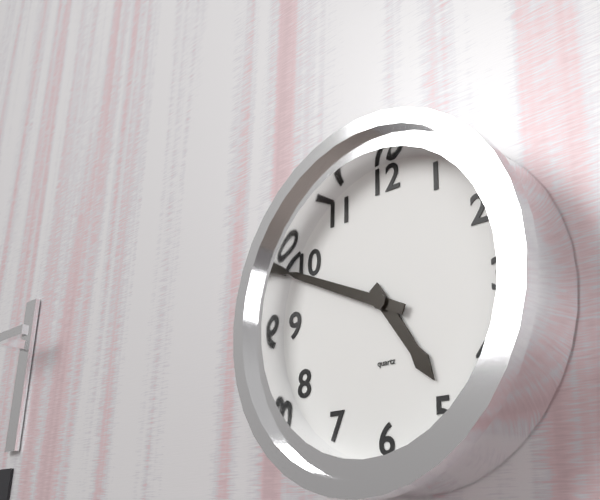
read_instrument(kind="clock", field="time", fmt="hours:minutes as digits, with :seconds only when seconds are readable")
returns 4:49
